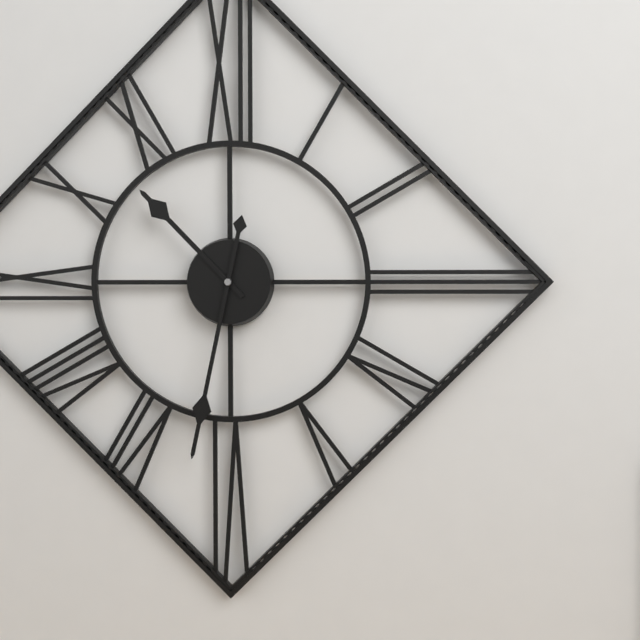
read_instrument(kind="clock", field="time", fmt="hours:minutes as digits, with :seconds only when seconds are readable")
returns 10:32
